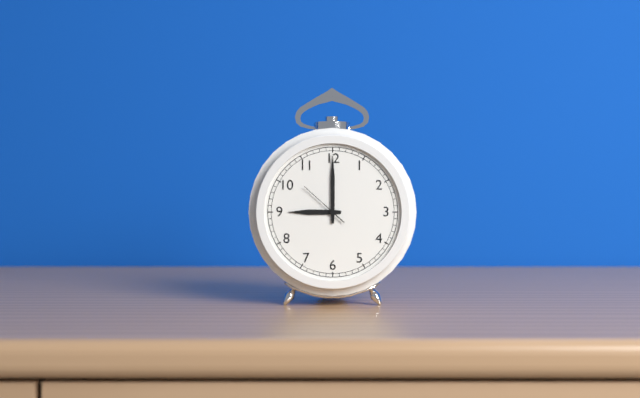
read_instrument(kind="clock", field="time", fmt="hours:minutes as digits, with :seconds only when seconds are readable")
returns 9:00
